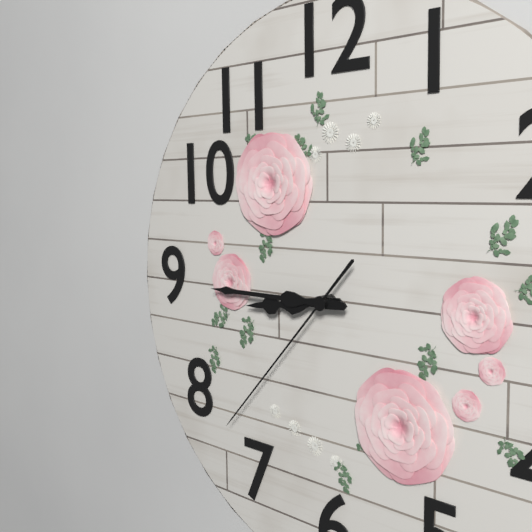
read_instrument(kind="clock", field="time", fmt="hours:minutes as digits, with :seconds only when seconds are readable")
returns 8:45:37
